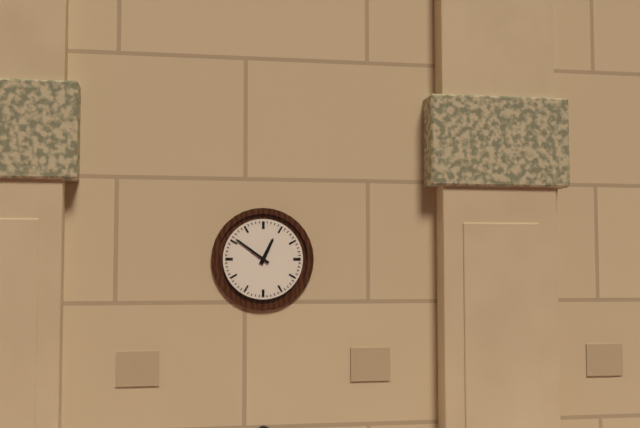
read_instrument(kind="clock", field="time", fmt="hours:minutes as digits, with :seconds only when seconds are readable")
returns 12:51
